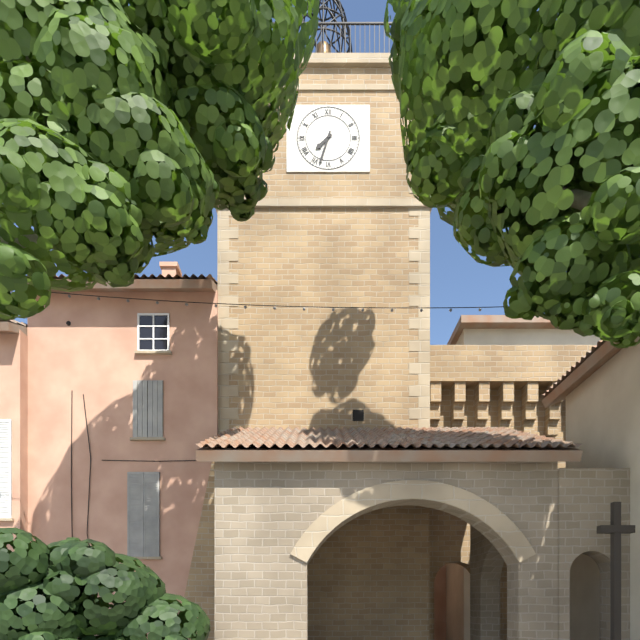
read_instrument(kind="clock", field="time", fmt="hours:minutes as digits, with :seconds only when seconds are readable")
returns 7:33
